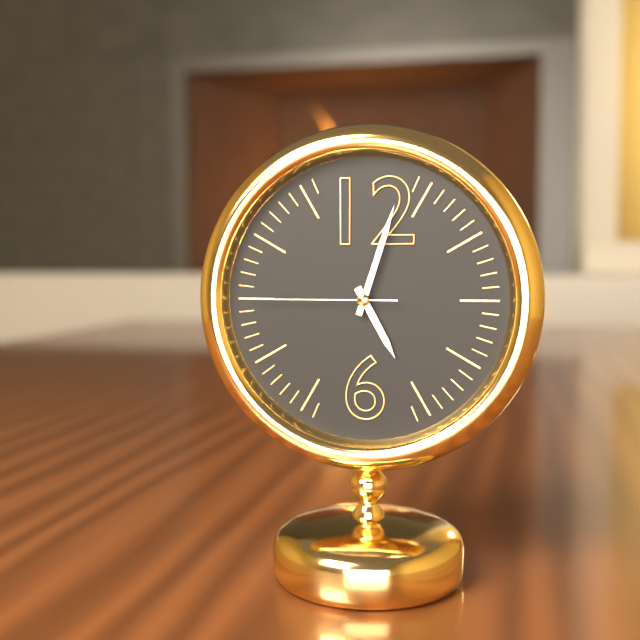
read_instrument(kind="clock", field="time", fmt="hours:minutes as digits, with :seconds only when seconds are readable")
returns 5:03:45
